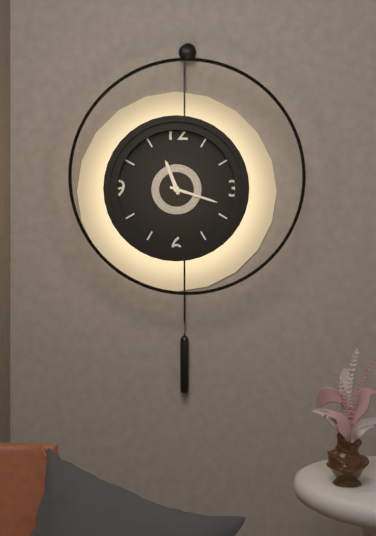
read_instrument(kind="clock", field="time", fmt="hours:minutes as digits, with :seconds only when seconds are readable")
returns 11:18
